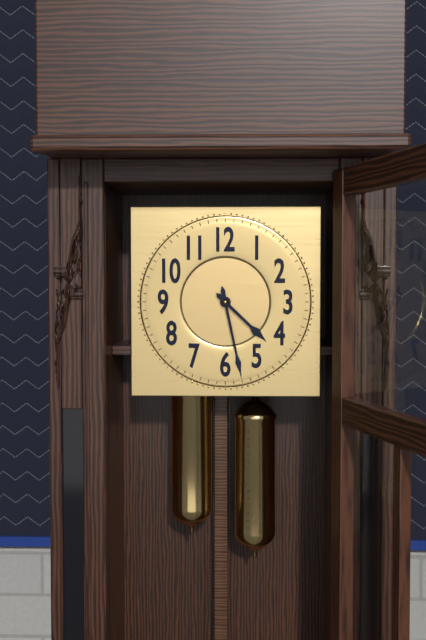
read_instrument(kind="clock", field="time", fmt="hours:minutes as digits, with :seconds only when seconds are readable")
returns 4:28
